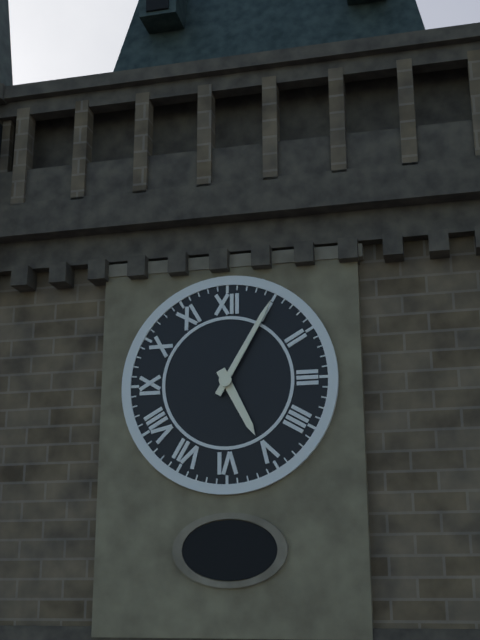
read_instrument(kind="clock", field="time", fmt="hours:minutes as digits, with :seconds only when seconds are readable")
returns 5:05
